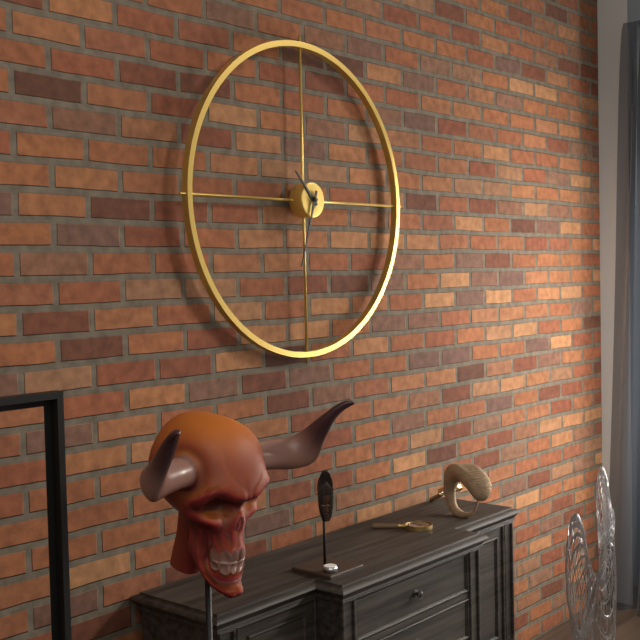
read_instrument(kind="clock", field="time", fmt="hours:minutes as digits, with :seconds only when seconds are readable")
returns 10:33
